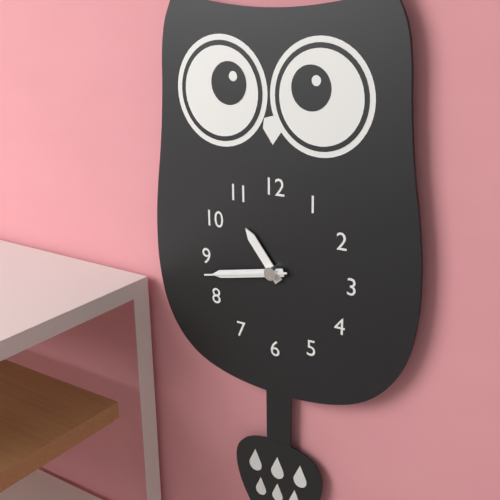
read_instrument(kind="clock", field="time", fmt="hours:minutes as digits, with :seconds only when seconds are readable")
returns 10:43:43
